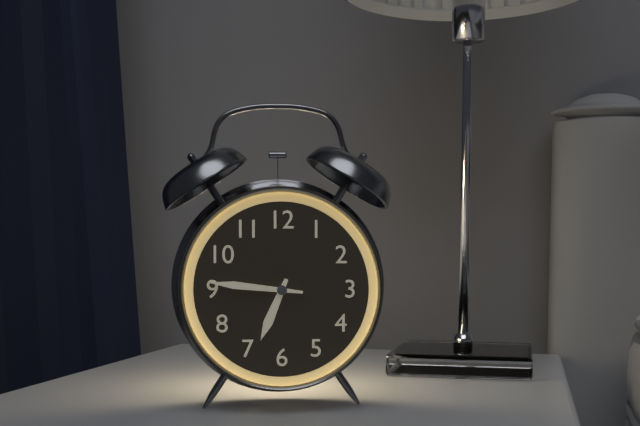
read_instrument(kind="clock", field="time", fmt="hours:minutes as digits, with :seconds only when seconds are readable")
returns 6:46
